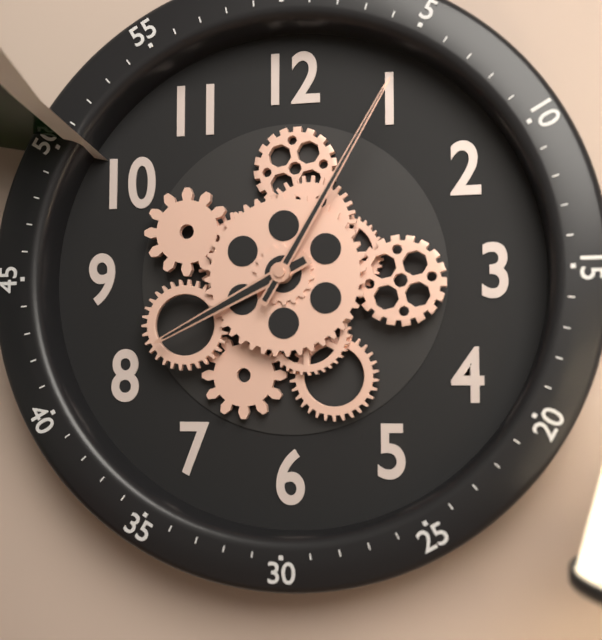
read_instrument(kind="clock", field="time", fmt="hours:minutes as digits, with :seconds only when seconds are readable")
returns 8:05
